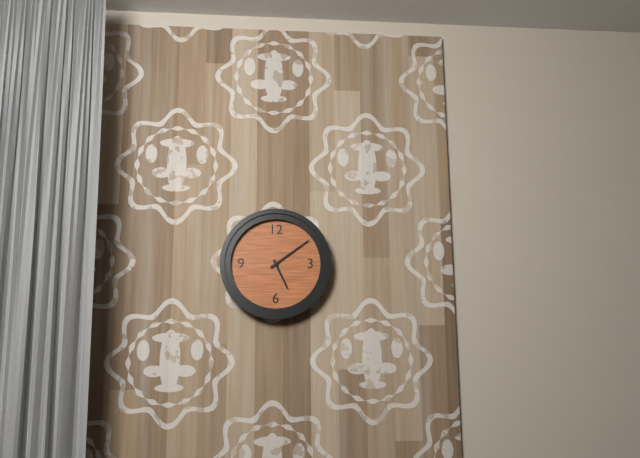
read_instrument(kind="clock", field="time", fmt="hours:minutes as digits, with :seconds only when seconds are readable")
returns 5:09
